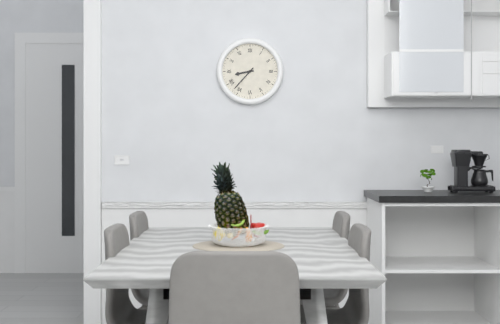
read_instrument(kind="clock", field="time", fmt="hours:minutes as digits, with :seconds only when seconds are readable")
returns 8:37
